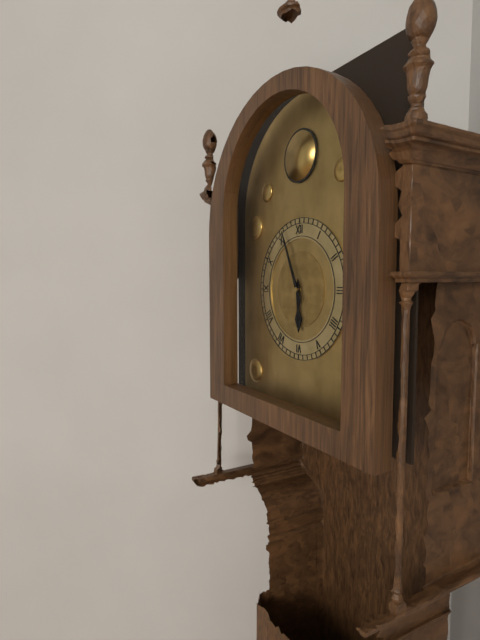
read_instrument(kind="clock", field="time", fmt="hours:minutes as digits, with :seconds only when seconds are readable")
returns 5:56
